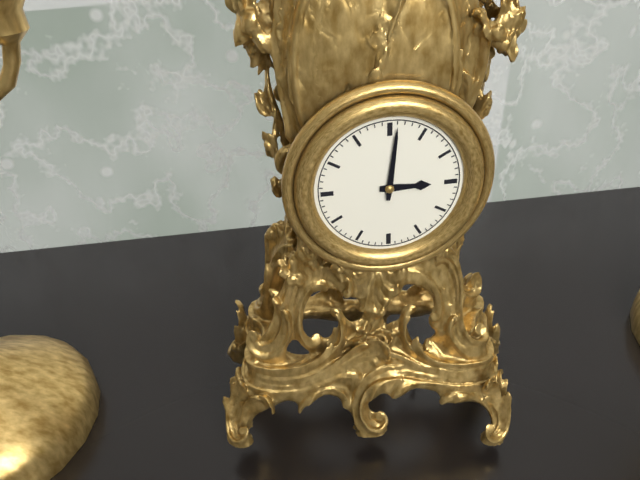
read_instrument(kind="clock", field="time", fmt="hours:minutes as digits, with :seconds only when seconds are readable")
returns 3:01
